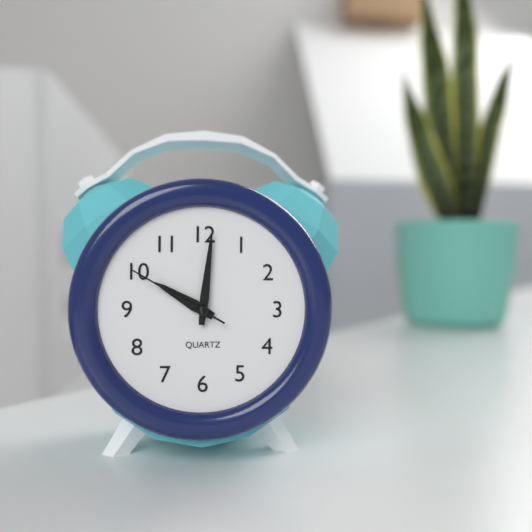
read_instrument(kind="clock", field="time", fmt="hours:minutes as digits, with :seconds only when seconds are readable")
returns 10:01:50
